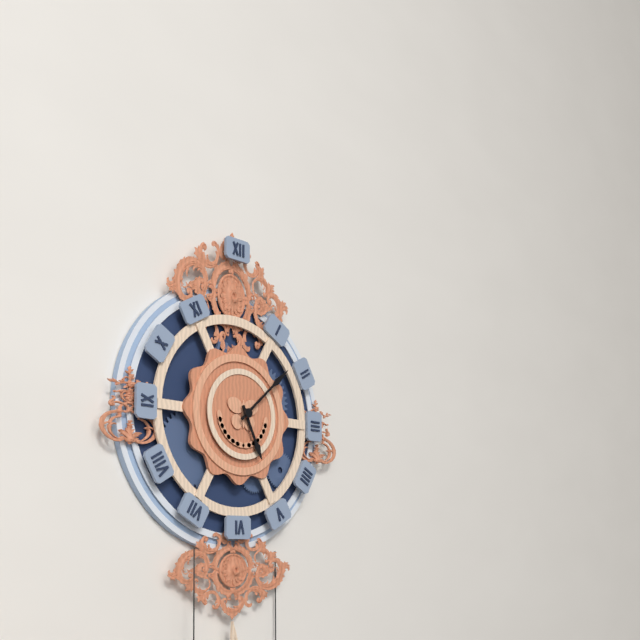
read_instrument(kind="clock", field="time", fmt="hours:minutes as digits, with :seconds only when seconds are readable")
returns 5:08
